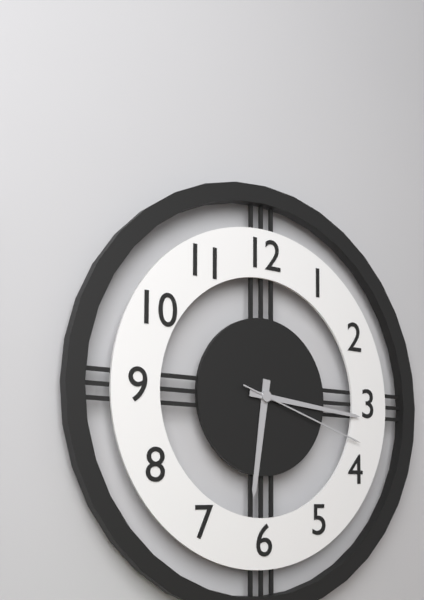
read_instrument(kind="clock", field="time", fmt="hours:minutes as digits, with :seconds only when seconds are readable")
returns 6:16:18
